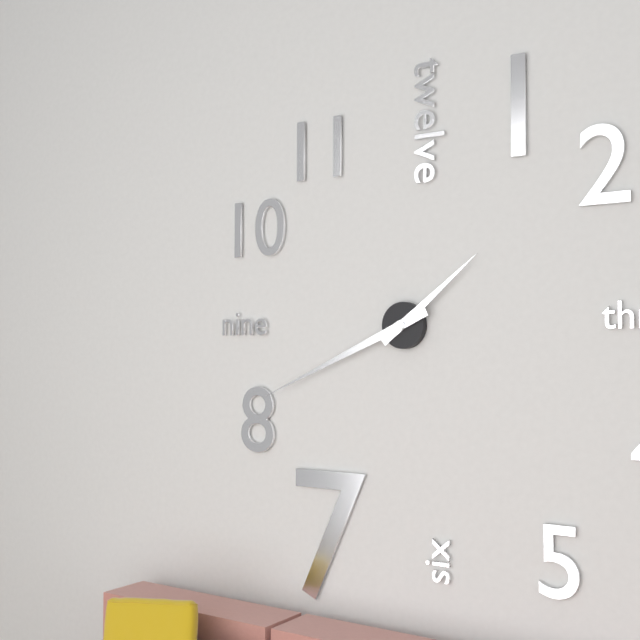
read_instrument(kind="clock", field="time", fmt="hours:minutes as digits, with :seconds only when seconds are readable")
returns 1:41
